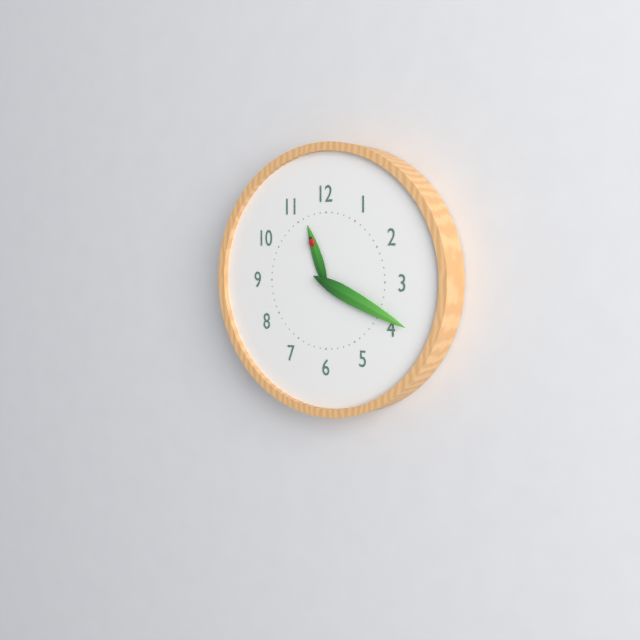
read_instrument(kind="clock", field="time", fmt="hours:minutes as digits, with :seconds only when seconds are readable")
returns 11:19
